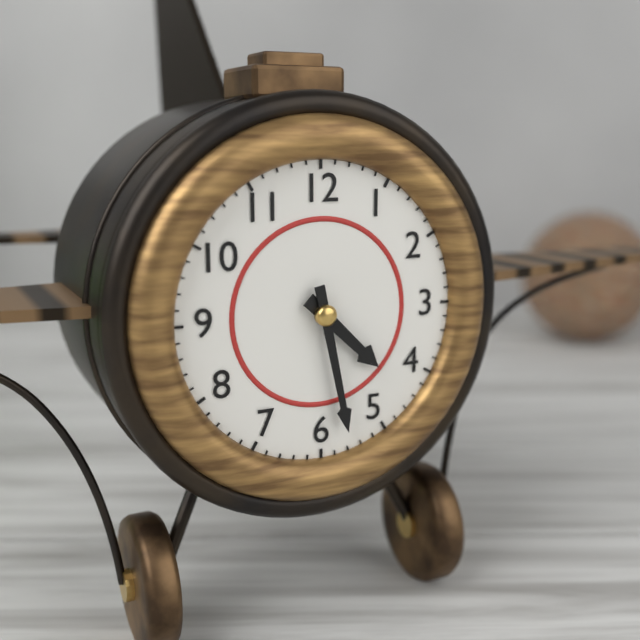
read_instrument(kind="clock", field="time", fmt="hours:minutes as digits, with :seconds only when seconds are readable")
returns 4:28
